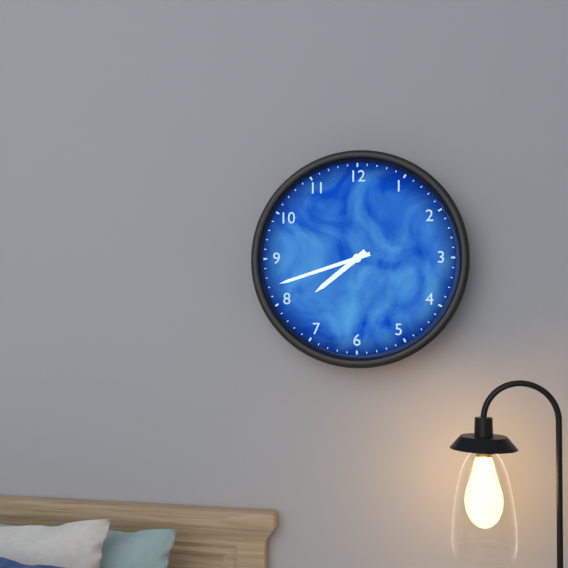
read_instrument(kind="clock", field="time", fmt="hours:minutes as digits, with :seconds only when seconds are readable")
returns 7:42
